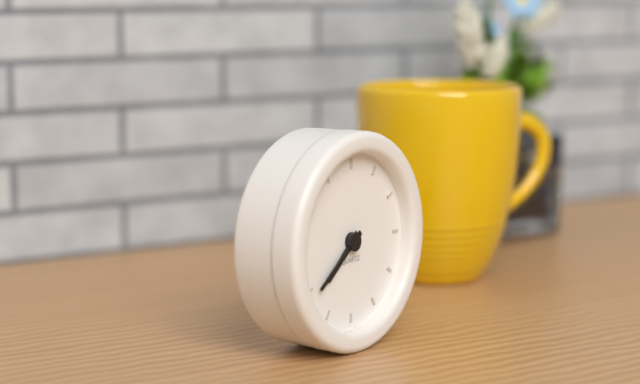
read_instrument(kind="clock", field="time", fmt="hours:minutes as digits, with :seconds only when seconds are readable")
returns 7:39
